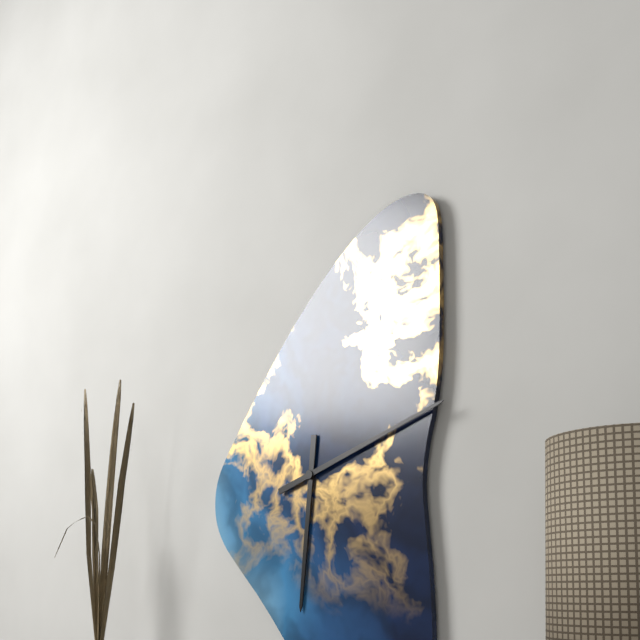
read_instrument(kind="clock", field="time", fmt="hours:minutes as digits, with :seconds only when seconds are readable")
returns 6:12
